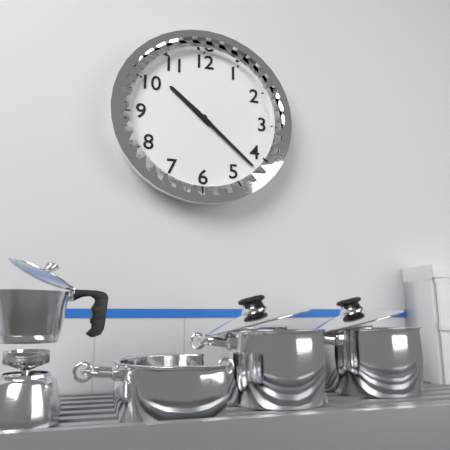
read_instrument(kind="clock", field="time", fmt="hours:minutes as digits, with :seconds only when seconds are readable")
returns 10:22
